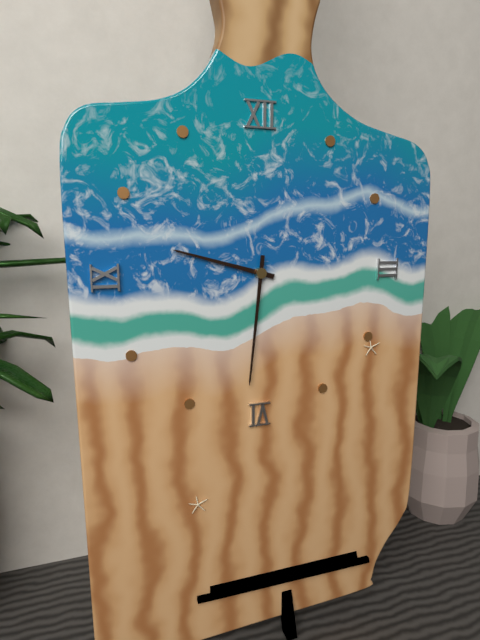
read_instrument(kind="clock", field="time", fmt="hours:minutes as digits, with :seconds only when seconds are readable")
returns 9:31
